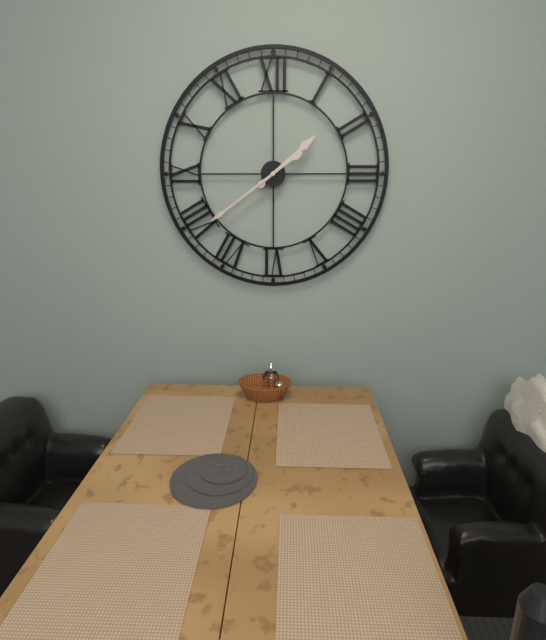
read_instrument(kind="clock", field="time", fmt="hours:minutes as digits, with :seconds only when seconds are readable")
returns 1:39
